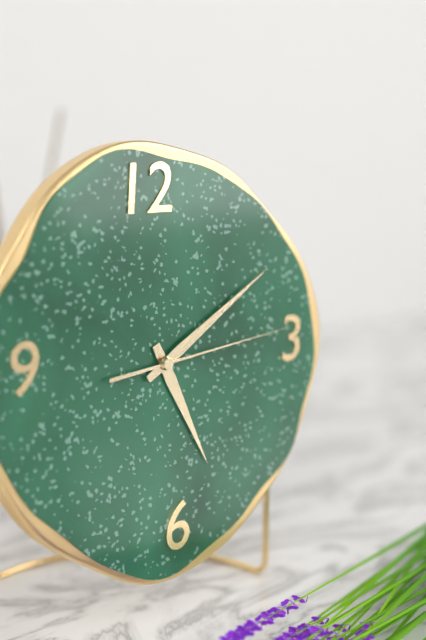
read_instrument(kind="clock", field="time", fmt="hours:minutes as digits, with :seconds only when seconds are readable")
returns 5:10:14
